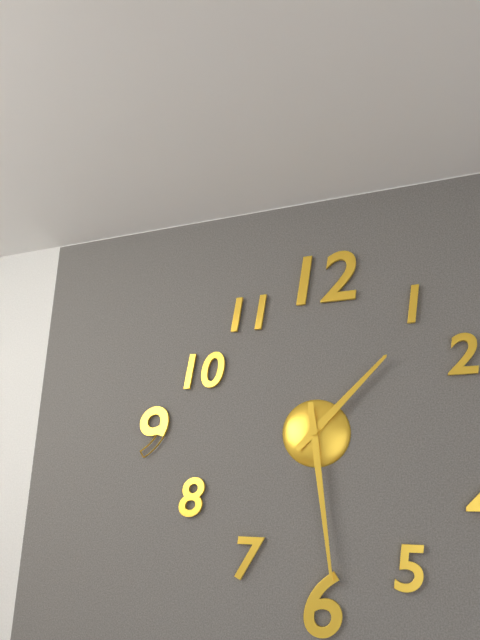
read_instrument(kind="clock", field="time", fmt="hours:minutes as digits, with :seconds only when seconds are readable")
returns 1:29
